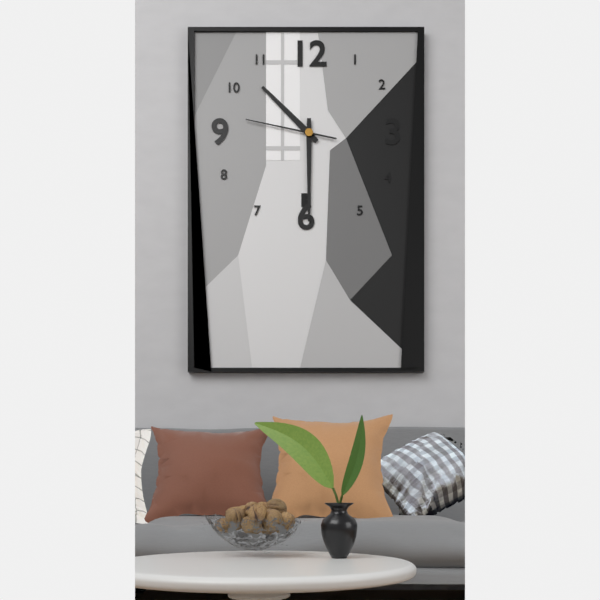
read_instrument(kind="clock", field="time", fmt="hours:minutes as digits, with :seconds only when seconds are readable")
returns 10:30:47
